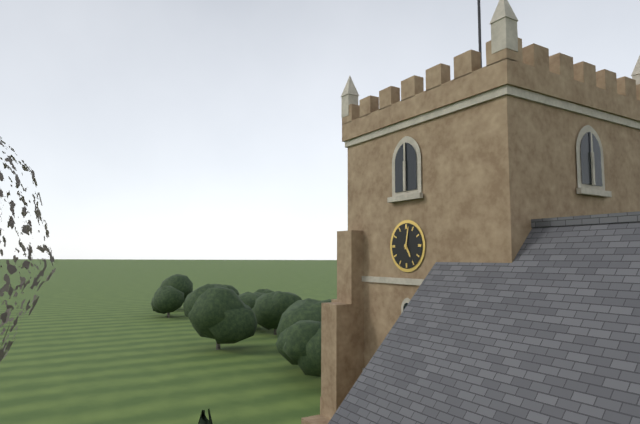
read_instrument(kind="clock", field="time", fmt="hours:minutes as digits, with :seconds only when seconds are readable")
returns 5:02
